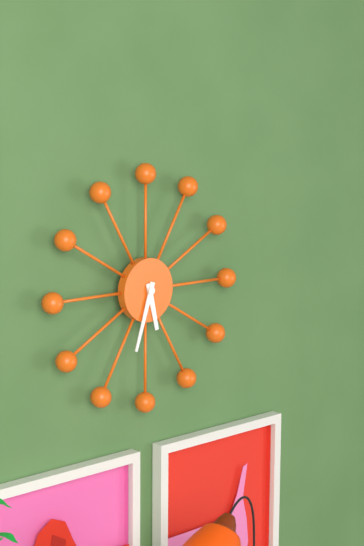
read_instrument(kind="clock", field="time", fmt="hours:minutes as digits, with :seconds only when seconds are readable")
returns 5:33
